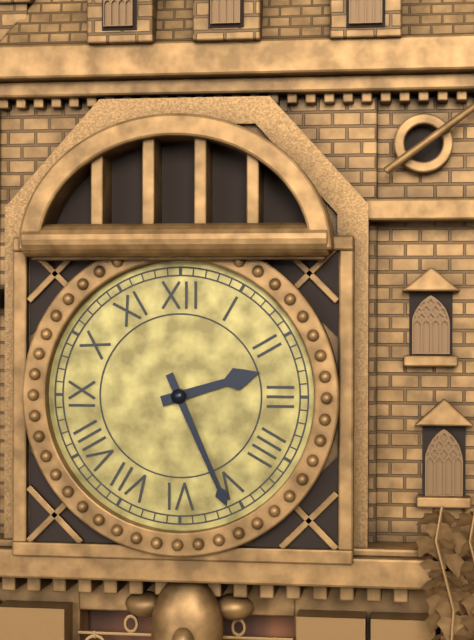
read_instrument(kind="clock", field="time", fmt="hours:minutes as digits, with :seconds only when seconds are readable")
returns 2:26
